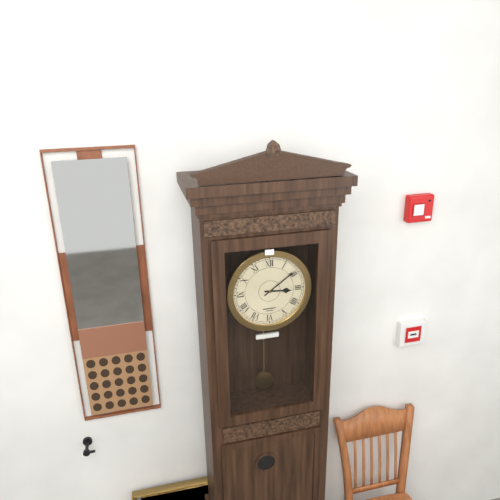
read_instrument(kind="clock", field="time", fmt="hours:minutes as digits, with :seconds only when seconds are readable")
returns 3:09
